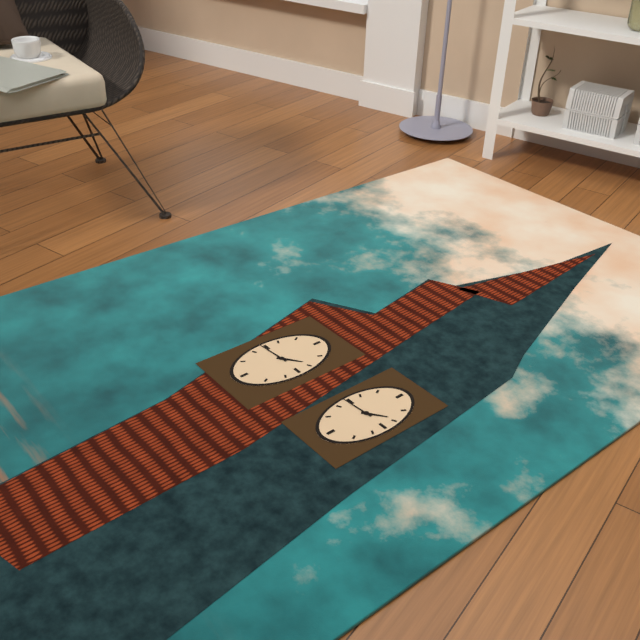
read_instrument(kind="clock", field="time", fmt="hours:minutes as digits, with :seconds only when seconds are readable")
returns 1:44
